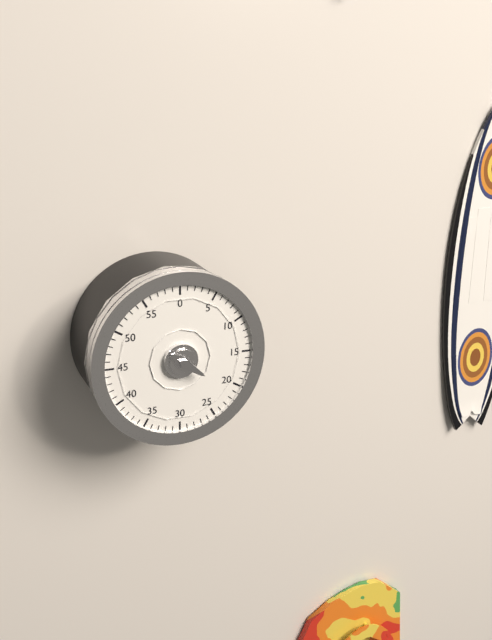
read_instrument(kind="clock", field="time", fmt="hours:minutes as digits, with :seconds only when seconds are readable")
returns 10:21
